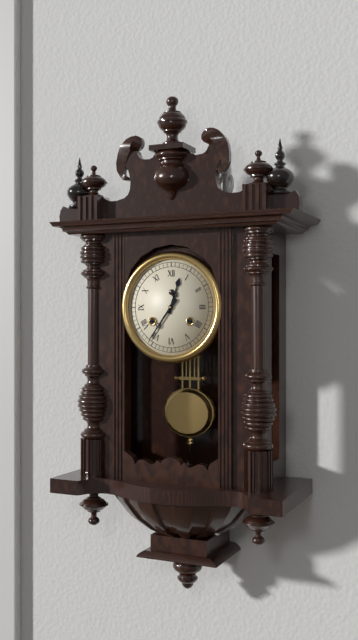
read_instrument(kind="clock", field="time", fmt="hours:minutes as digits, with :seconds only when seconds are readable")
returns 12:36
